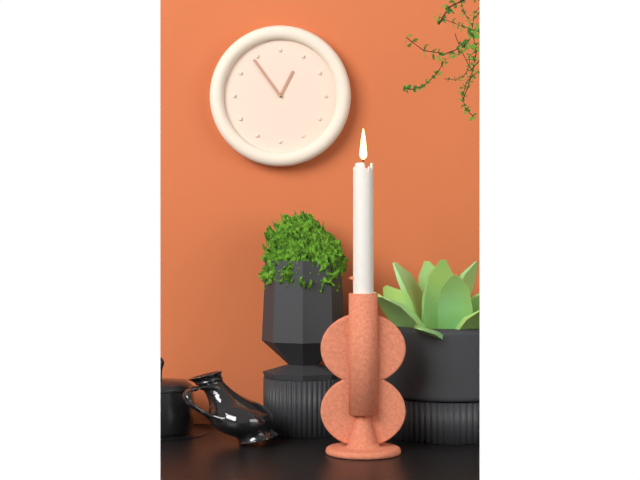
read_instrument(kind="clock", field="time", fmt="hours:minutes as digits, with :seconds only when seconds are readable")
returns 12:54
